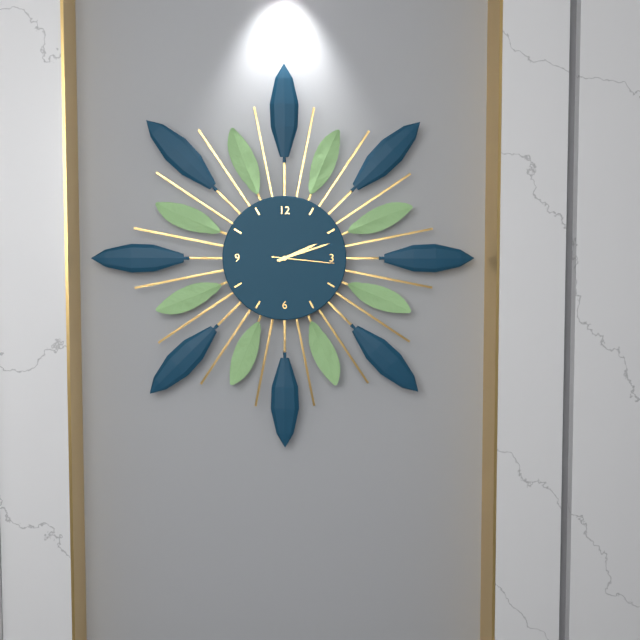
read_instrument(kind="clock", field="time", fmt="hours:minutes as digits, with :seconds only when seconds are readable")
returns 2:12:16
